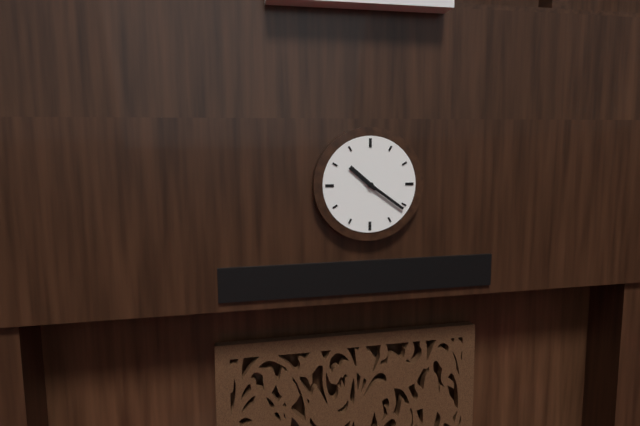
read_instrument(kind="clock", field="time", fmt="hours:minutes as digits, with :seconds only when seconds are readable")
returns 10:21
